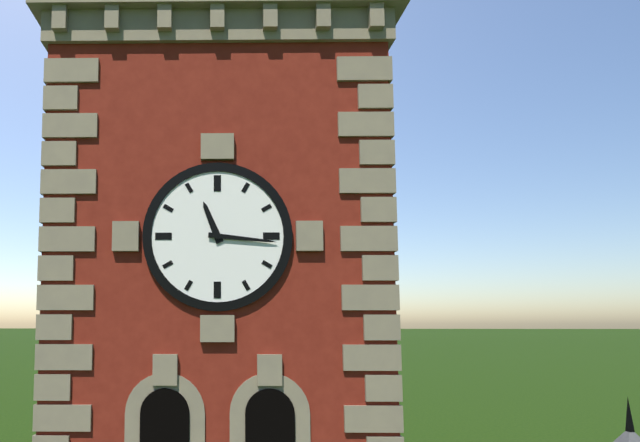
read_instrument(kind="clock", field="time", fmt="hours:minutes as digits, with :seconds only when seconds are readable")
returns 11:16
